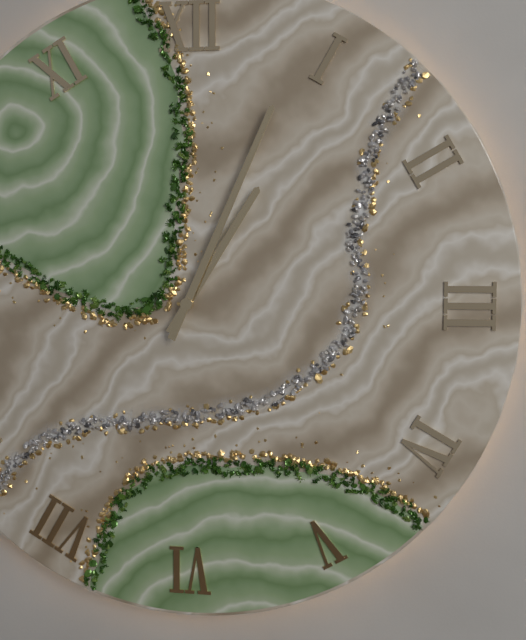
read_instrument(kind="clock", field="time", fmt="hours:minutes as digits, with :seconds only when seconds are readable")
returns 1:04
